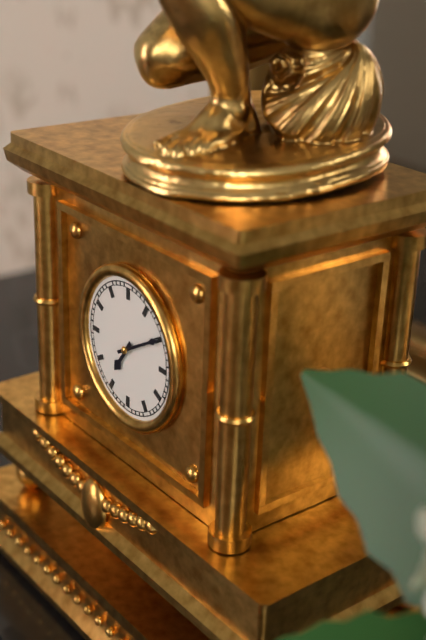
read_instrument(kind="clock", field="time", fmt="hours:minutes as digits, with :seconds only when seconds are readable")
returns 7:10
